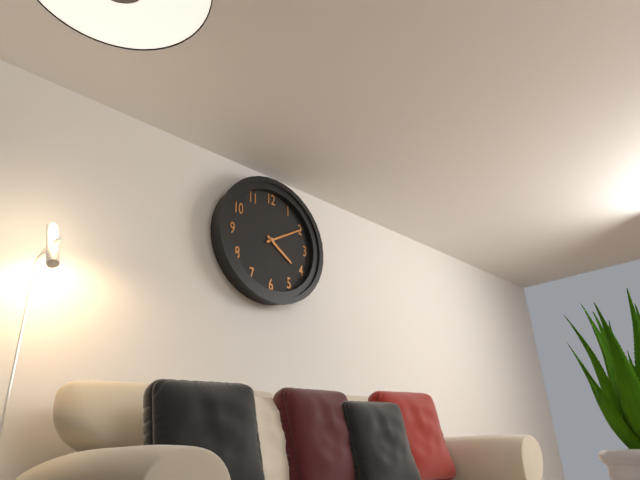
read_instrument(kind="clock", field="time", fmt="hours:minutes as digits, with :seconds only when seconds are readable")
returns 4:10
